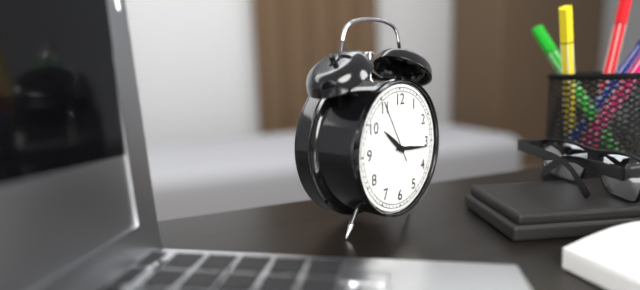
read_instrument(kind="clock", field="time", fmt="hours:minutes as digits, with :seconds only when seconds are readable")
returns 10:16:55
